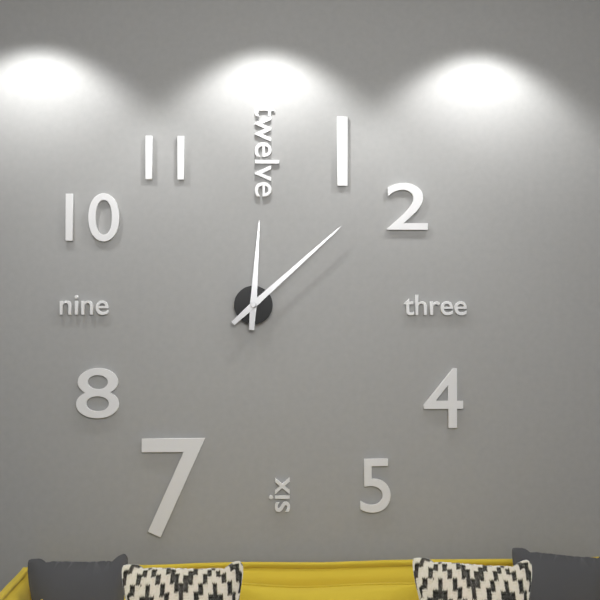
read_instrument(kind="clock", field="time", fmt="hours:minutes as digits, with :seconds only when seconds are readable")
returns 12:08
